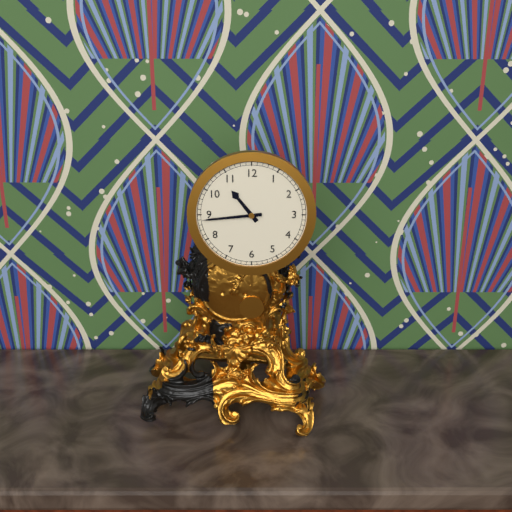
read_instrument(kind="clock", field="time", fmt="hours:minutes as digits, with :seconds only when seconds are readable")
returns 10:44
